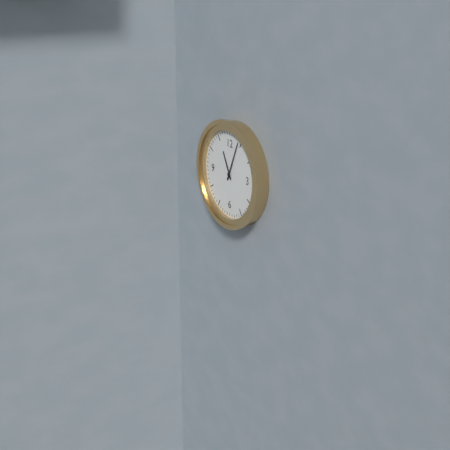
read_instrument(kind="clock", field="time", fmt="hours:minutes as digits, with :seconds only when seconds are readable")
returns 11:04
